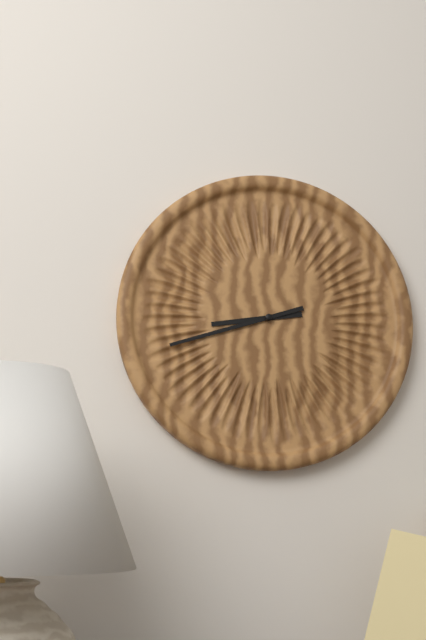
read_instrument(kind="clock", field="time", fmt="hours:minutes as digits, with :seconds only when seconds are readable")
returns 8:42
